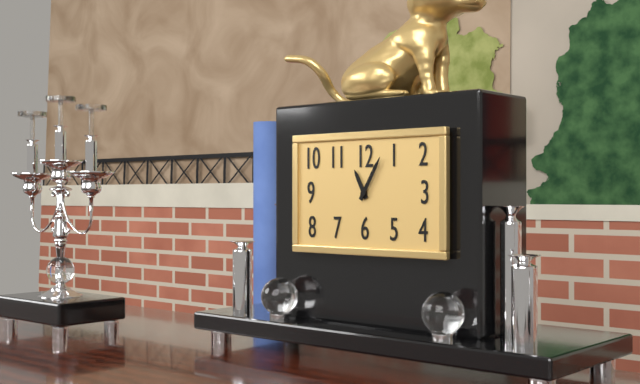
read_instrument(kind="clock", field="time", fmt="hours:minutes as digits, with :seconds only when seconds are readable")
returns 11:05
